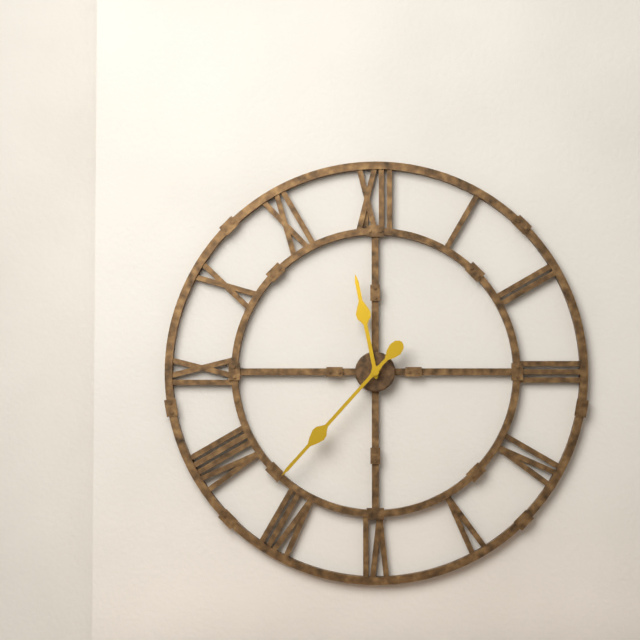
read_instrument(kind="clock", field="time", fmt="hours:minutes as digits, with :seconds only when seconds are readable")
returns 11:37
